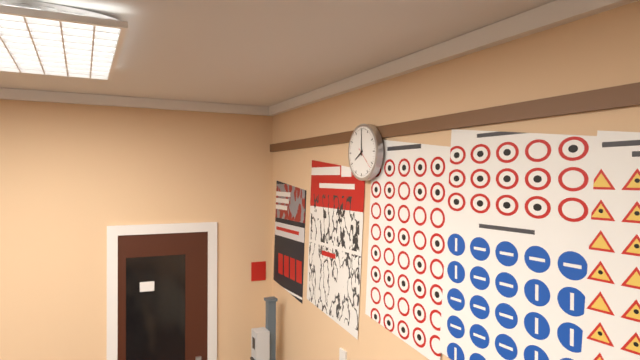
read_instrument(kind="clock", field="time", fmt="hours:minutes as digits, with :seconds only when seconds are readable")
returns 8:00
